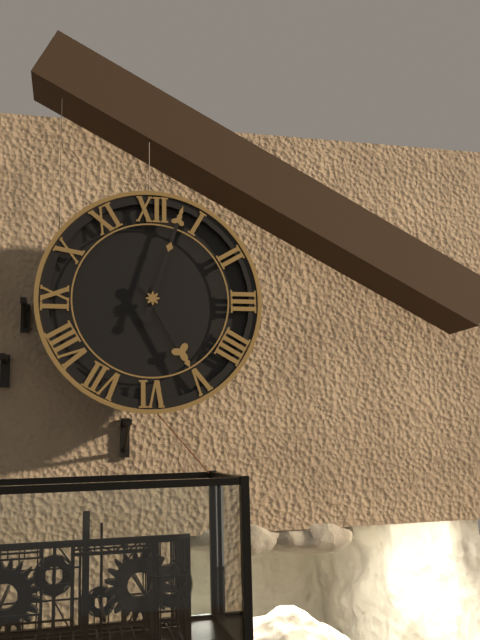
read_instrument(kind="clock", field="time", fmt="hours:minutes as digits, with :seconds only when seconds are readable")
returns 5:03
